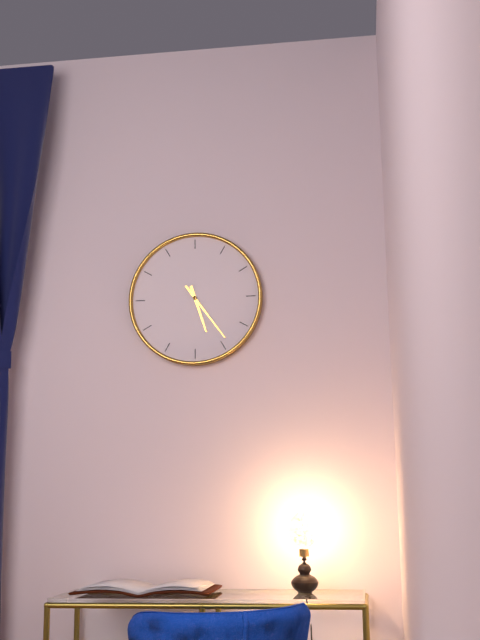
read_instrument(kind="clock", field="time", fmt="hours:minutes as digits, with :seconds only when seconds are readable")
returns 5:24
